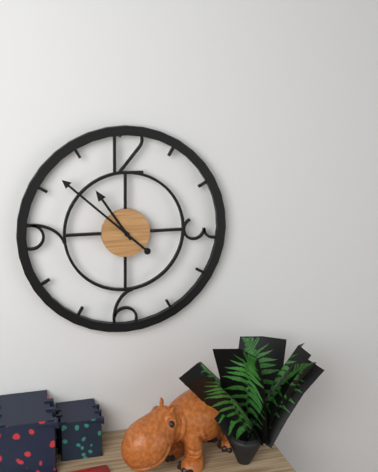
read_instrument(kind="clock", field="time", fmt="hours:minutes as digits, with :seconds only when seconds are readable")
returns 10:52
